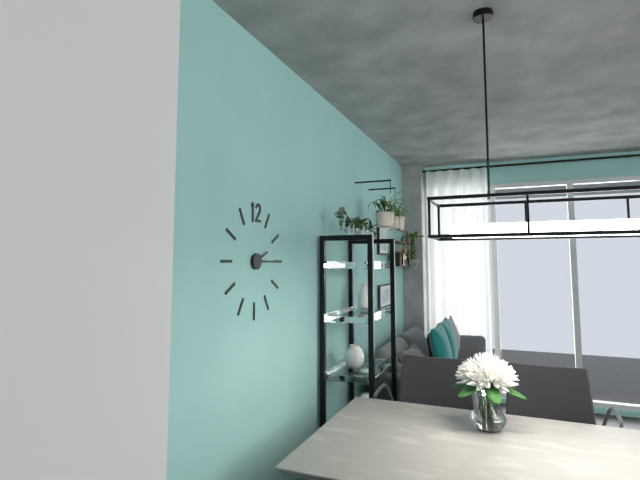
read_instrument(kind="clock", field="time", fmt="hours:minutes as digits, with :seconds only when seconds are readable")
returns 2:15
